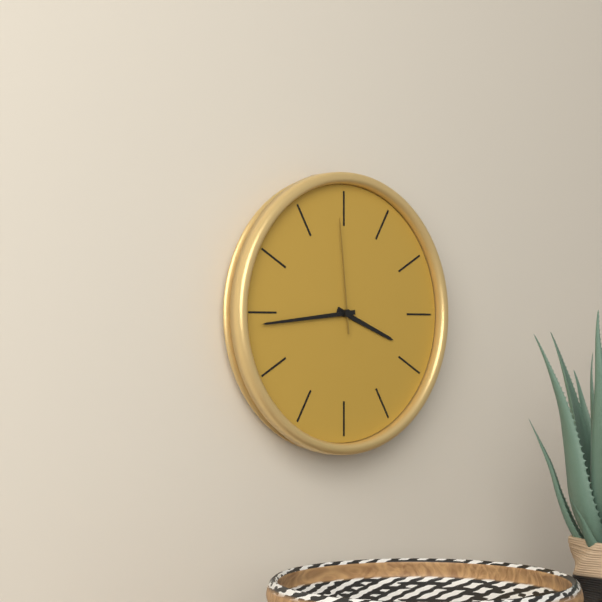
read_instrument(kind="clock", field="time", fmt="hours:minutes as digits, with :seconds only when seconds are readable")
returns 3:44:59
